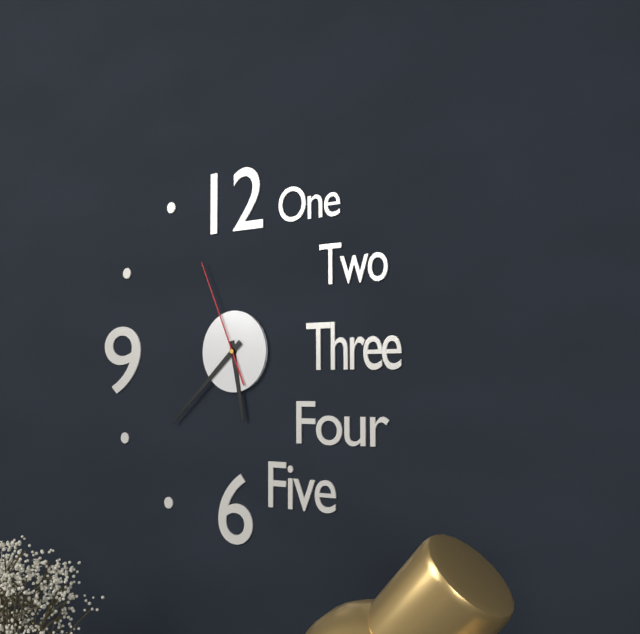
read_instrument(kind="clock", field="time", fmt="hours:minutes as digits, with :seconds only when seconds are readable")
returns 5:38:56
